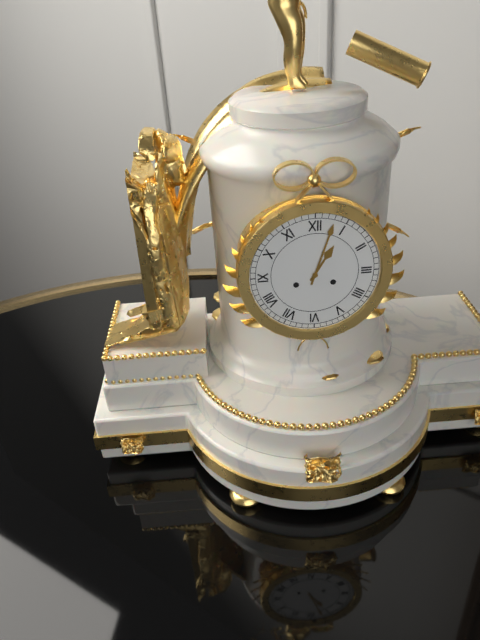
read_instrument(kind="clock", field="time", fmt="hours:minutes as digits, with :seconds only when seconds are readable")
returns 1:03
